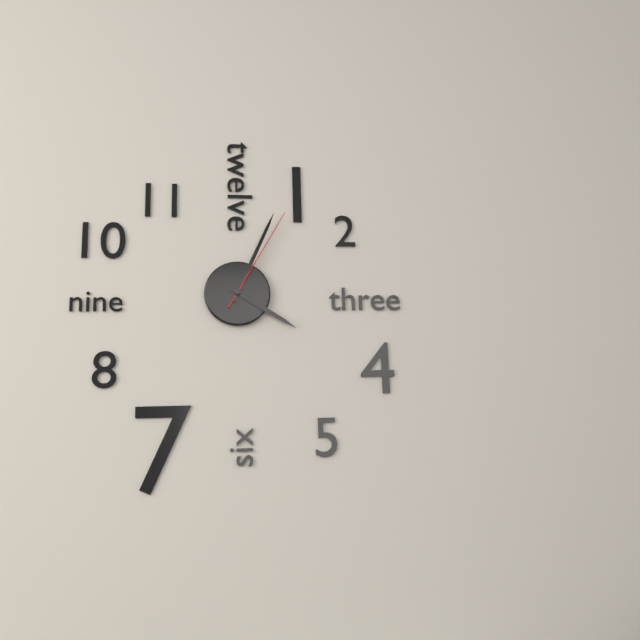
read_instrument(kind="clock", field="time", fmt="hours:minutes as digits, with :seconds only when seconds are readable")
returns 4:04:05
